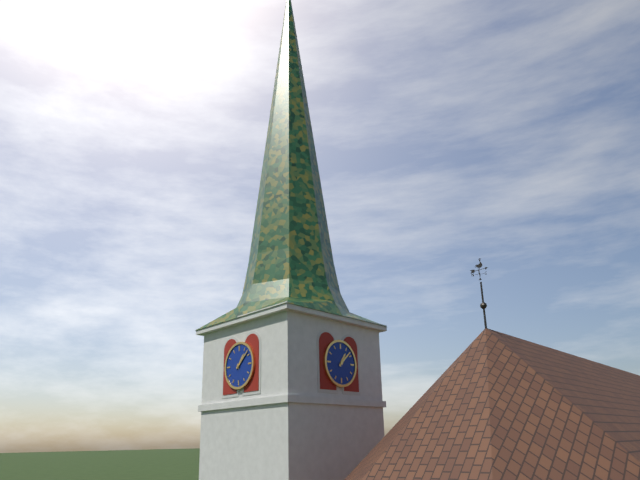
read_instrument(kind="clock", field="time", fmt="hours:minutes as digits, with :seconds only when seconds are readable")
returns 1:08
